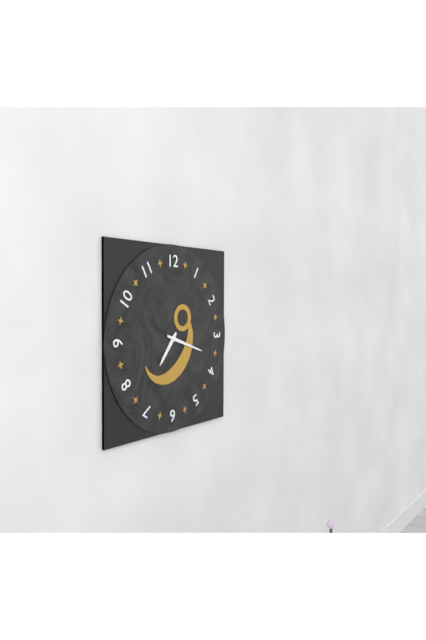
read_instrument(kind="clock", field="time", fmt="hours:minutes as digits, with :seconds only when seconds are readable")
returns 7:18
